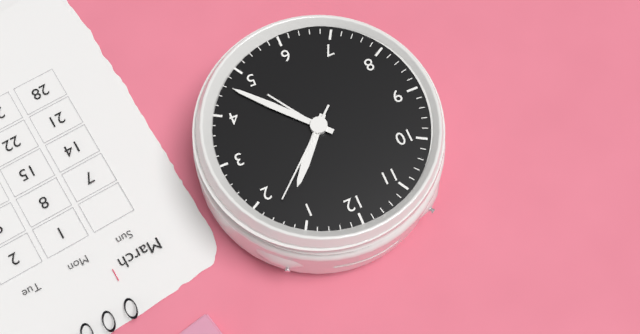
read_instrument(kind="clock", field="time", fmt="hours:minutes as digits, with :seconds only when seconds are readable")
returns 1:23:08
